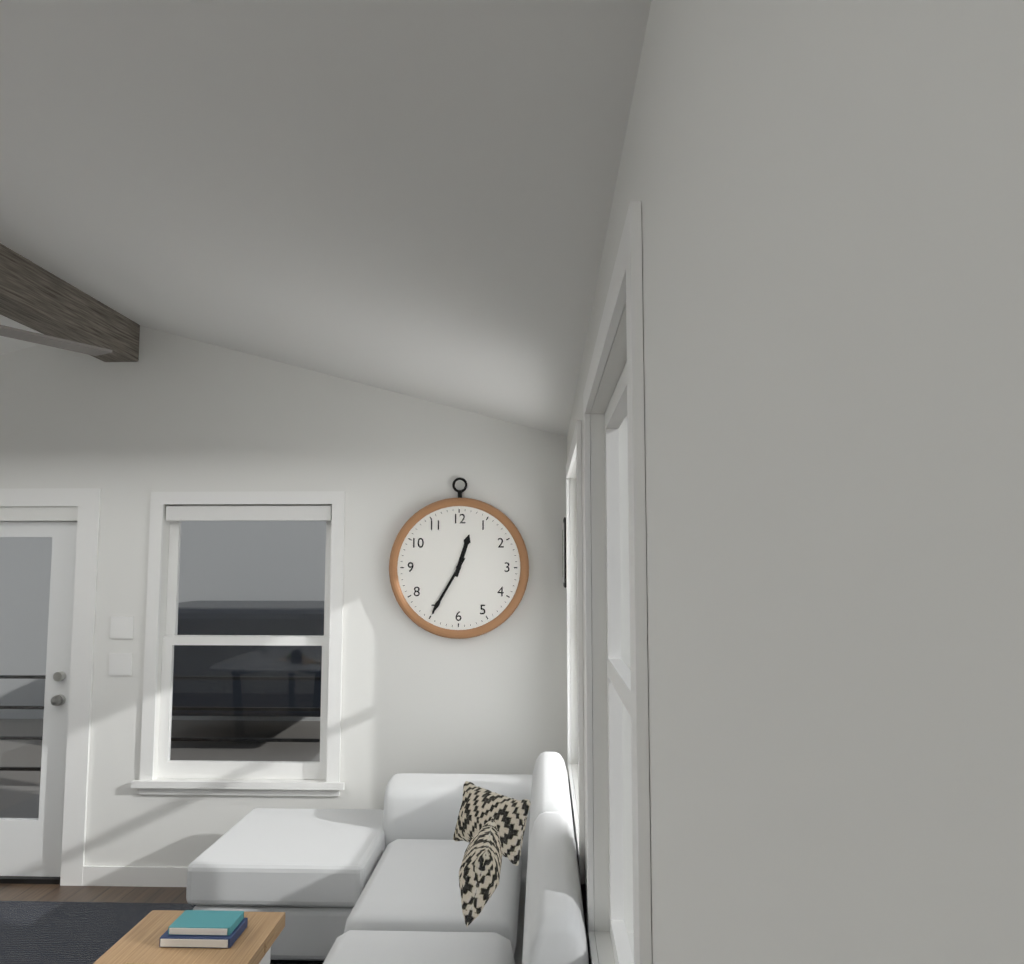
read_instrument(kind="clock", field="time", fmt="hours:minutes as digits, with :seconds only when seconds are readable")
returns 12:35
